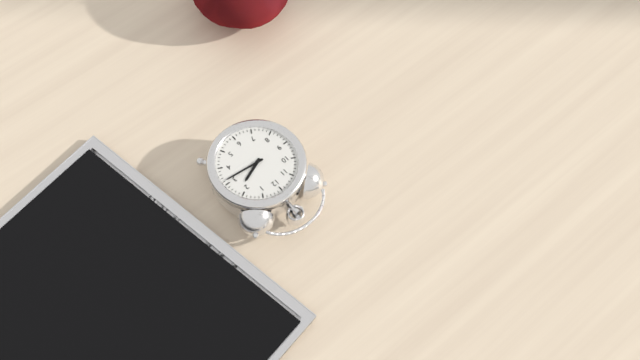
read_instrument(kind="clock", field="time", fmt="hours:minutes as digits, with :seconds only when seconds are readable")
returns 2:16
